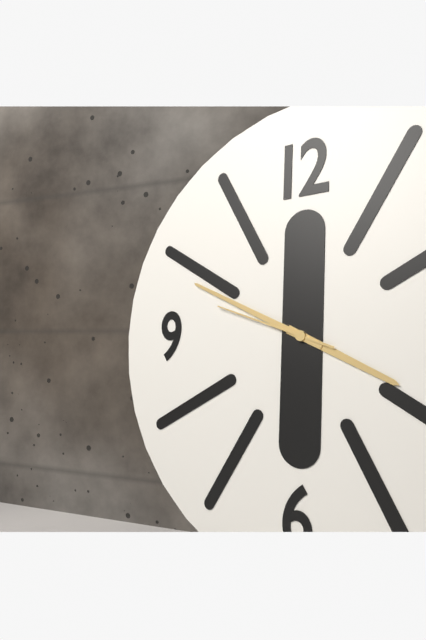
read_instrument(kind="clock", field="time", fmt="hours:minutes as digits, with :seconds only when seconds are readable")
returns 3:49:48
